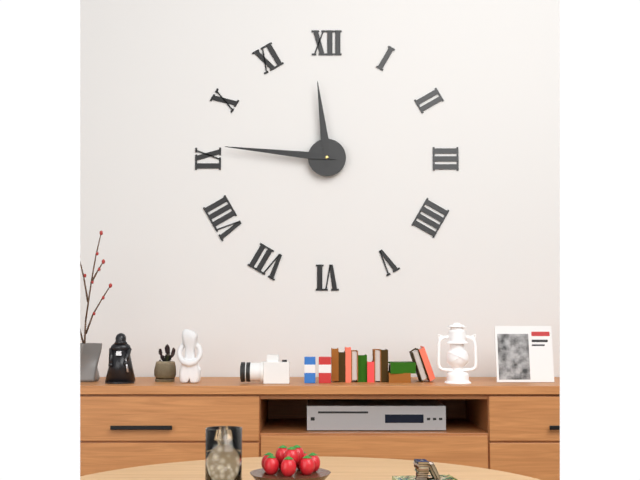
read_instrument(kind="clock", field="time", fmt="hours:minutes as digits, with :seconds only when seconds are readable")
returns 11:46
